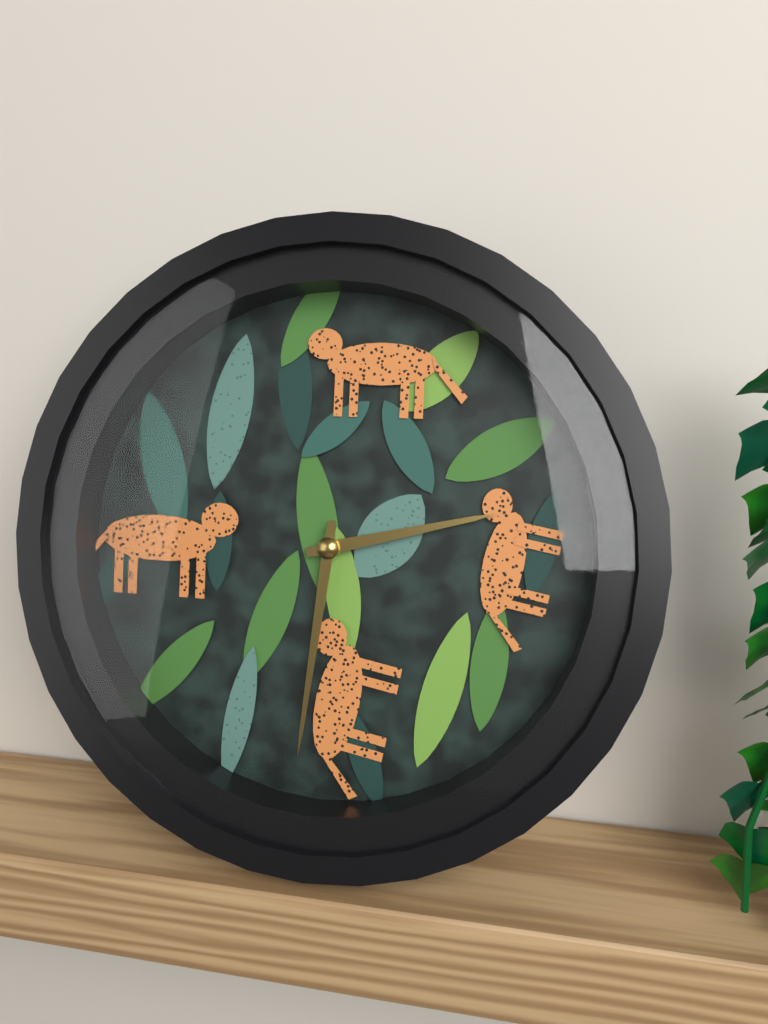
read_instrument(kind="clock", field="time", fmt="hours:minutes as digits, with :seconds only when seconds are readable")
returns 2:31
